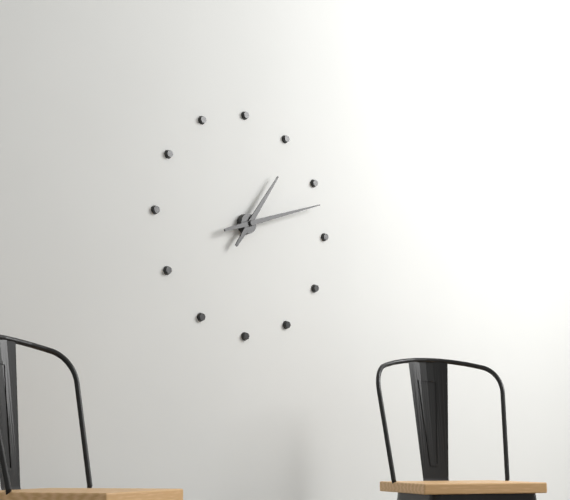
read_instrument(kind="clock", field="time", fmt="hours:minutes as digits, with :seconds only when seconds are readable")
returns 1:12
